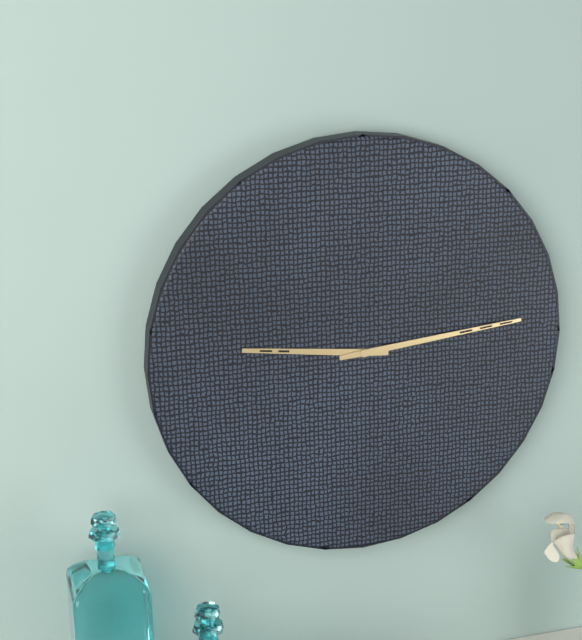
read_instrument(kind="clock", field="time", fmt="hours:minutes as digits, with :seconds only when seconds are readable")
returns 9:14
